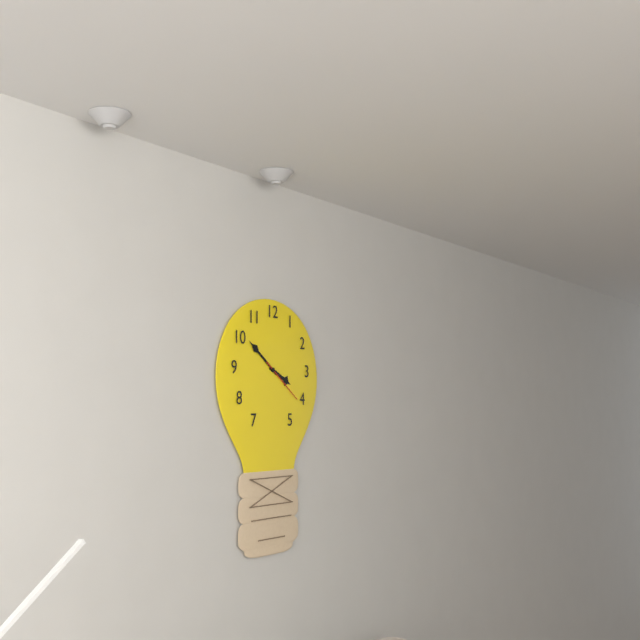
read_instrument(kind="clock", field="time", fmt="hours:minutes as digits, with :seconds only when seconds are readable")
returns 3:51
